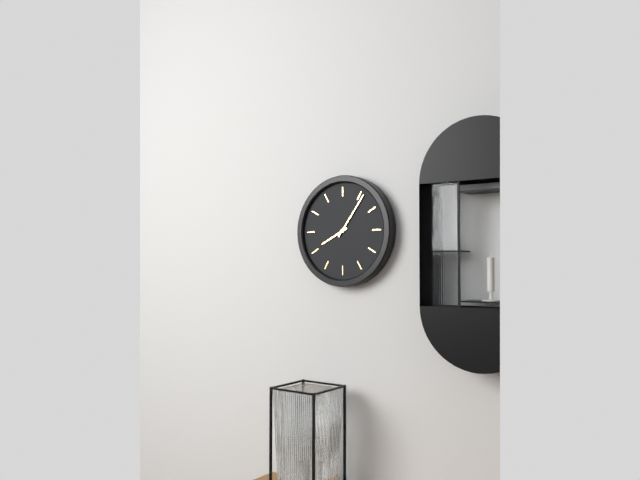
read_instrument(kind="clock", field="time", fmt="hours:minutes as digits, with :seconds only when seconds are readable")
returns 8:06
